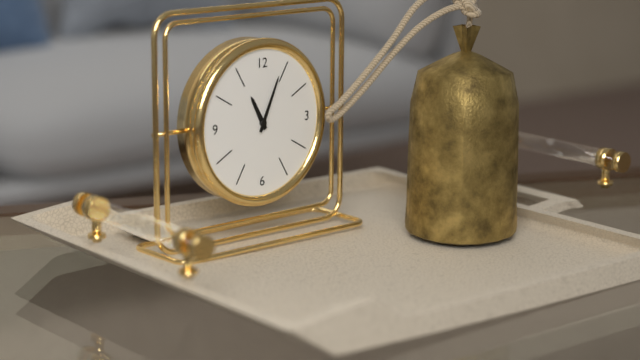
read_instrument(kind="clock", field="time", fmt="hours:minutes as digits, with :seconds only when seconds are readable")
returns 11:04
